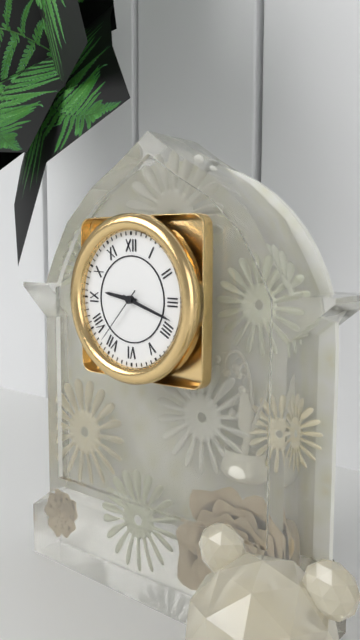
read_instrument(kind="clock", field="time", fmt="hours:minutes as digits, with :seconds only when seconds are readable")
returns 9:18:37
